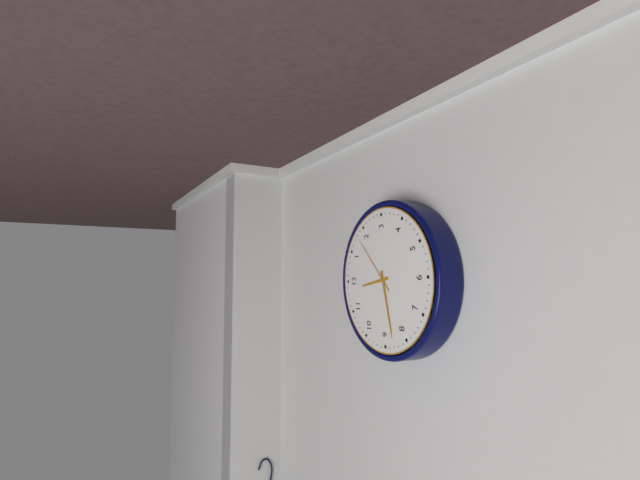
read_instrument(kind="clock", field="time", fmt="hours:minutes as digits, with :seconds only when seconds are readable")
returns 11:43:08
